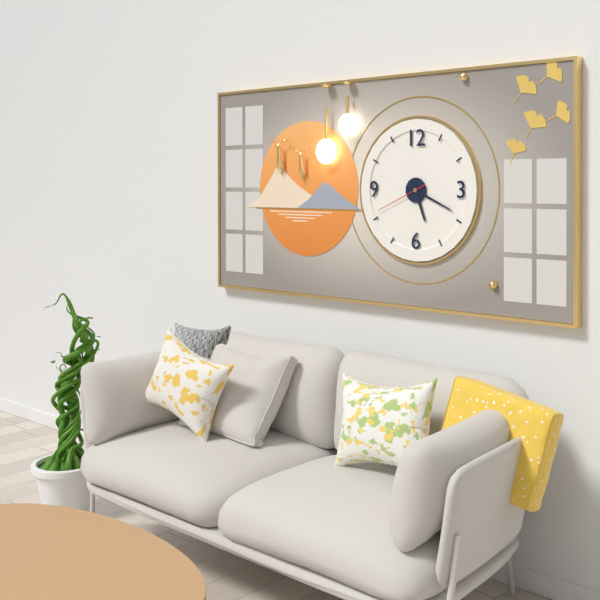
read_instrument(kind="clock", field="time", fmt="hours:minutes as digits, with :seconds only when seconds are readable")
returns 5:19:41
